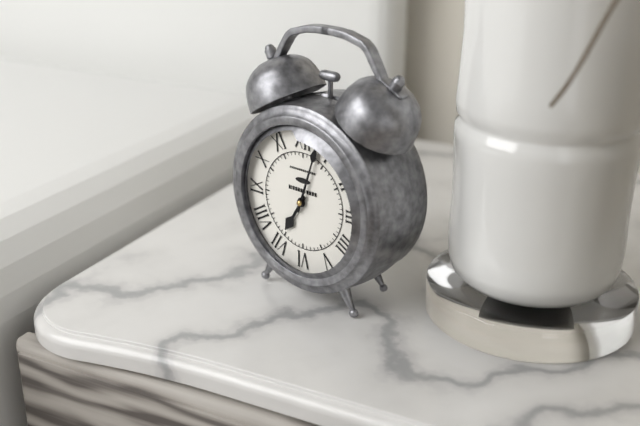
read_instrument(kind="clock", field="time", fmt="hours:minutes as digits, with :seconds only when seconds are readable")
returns 7:03
